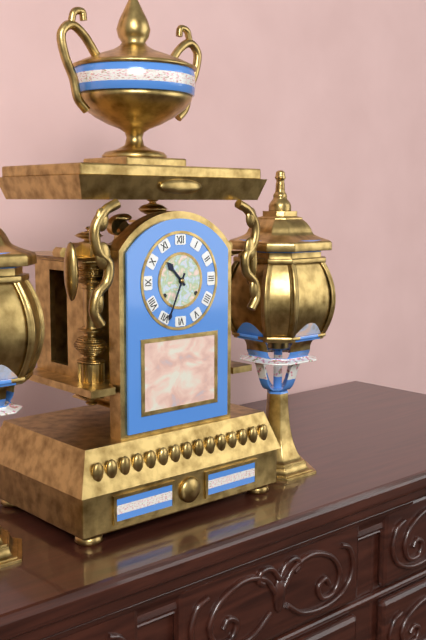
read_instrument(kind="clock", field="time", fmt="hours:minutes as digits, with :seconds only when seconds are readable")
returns 10:34
